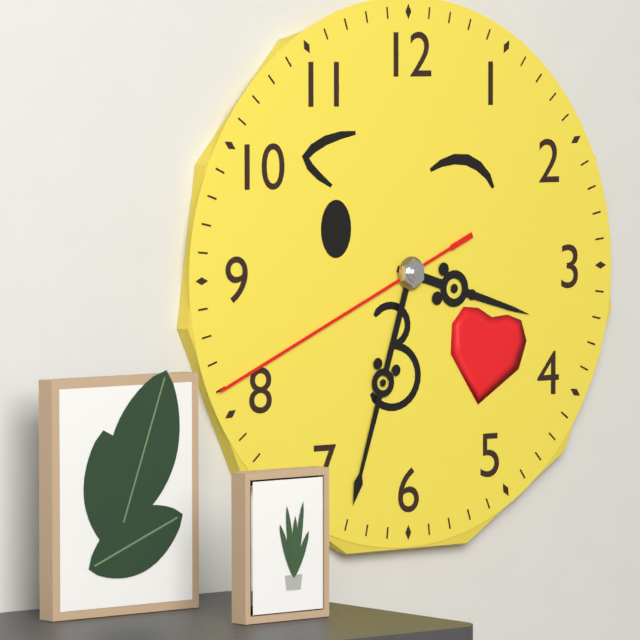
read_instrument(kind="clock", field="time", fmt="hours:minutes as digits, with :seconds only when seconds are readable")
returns 3:33:41
